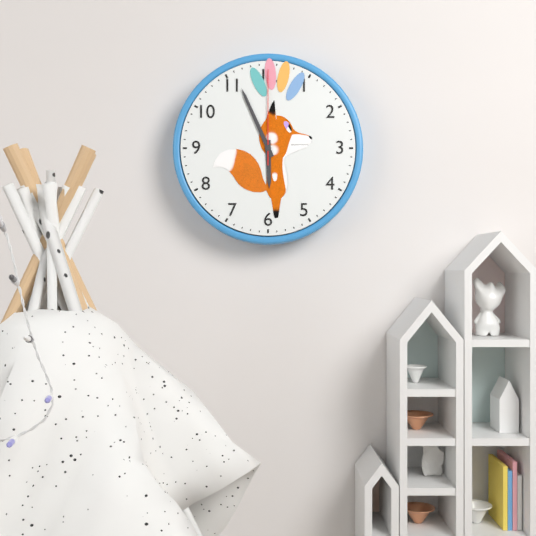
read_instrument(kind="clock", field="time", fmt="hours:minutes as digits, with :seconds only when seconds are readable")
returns 5:56:00
